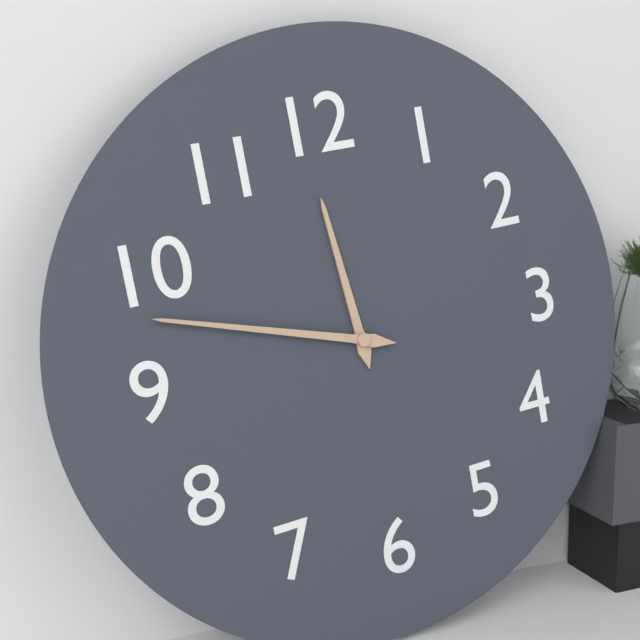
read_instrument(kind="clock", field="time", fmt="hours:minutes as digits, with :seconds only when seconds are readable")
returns 11:48
